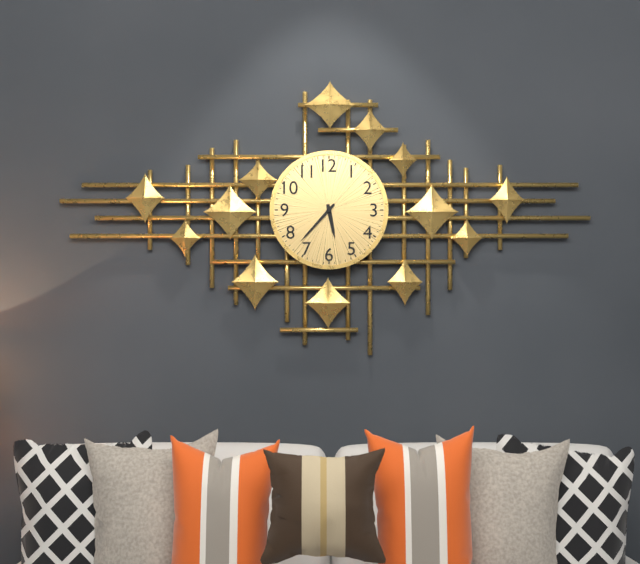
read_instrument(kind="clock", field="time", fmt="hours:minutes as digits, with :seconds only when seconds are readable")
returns 5:37
